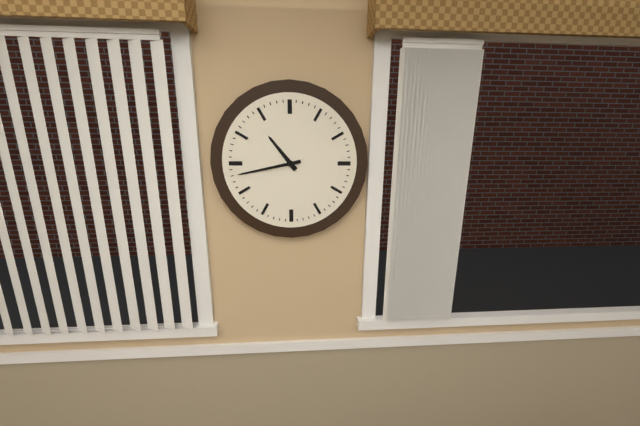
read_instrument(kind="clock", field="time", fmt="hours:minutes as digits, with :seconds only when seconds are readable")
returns 10:43
